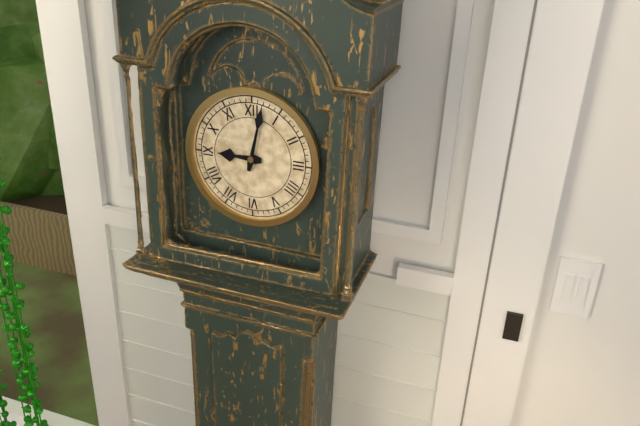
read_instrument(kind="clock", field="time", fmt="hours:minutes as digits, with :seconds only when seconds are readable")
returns 9:02
